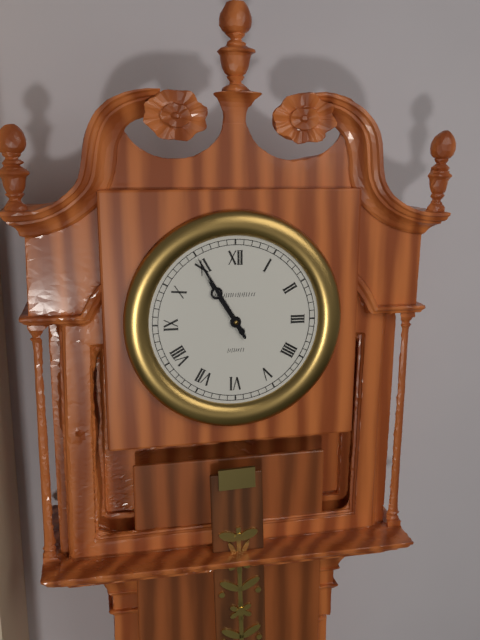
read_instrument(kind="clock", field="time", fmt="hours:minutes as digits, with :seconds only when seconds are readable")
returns 10:55
